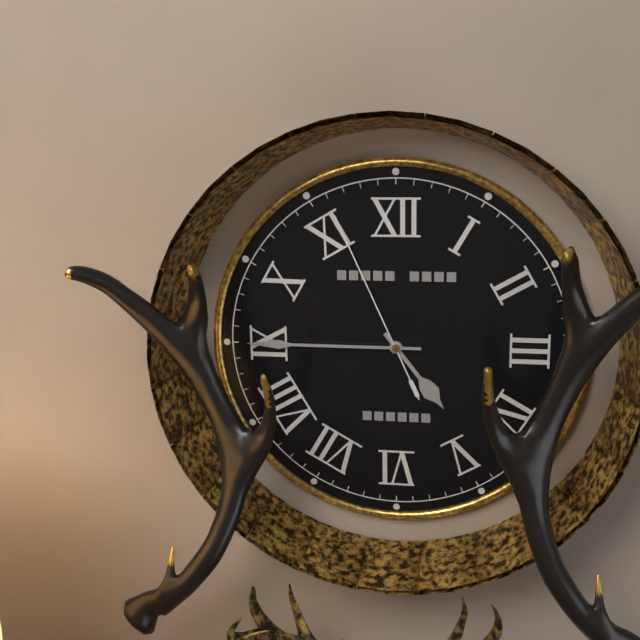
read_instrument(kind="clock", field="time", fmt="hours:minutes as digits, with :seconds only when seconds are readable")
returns 4:45:56
